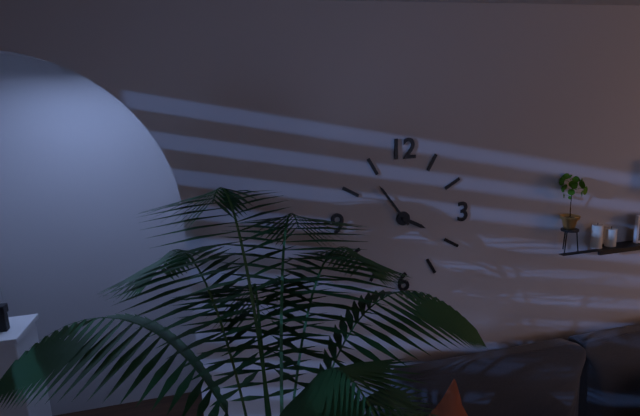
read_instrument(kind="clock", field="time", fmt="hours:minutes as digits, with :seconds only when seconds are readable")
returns 3:54
